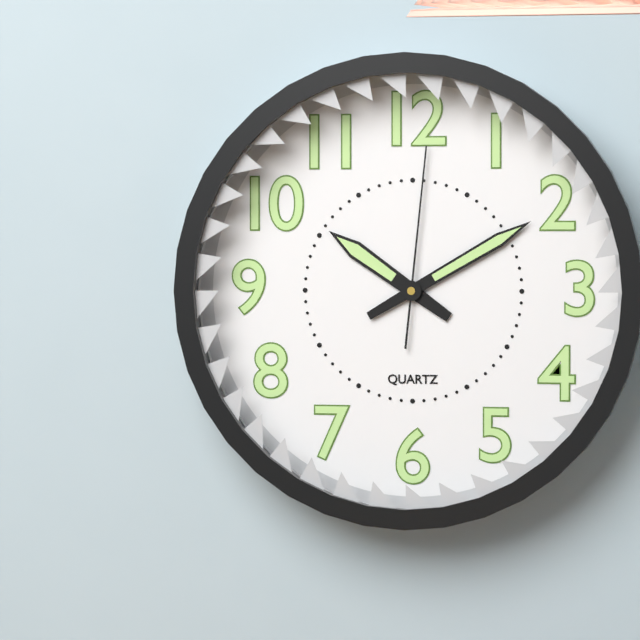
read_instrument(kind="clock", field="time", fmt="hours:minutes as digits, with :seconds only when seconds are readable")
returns 10:10:01
